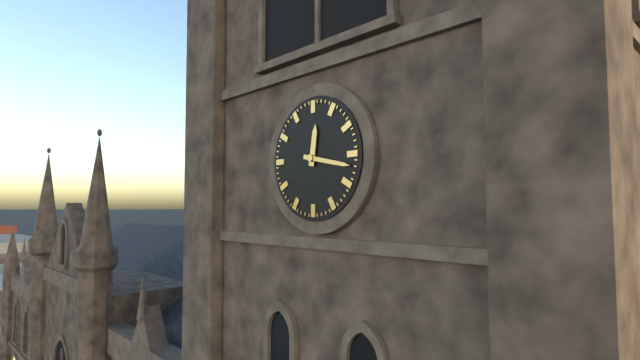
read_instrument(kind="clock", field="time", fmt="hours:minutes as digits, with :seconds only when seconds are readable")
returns 12:17
